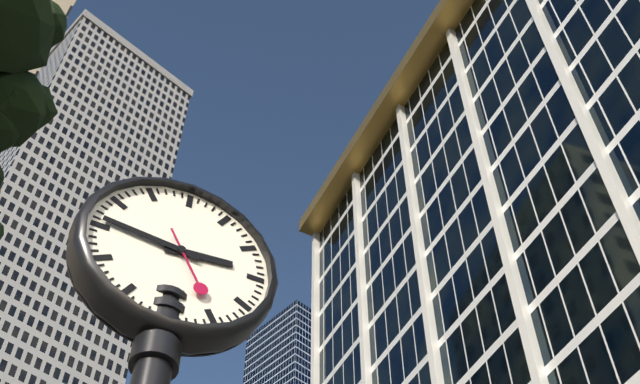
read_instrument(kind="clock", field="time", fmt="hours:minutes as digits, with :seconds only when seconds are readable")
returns 2:46:25
